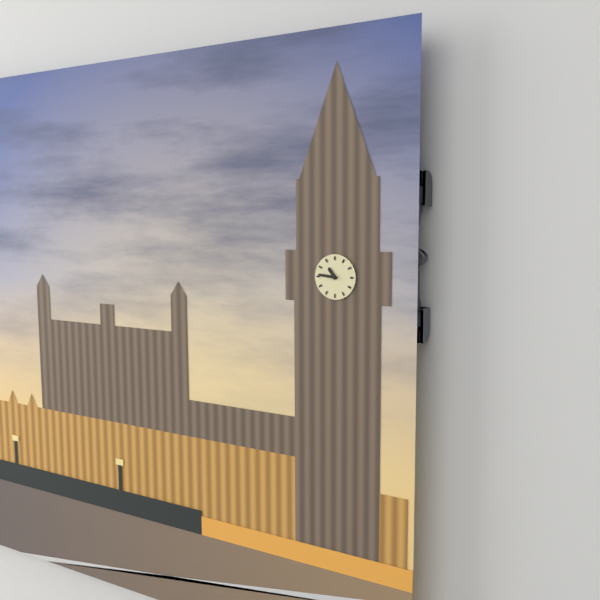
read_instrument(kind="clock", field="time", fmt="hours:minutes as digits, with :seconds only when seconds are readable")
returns 10:46
